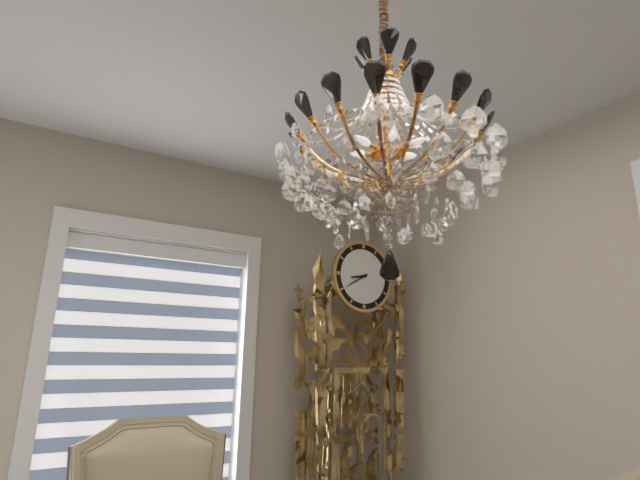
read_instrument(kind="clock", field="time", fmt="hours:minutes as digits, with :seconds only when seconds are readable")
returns 8:40
